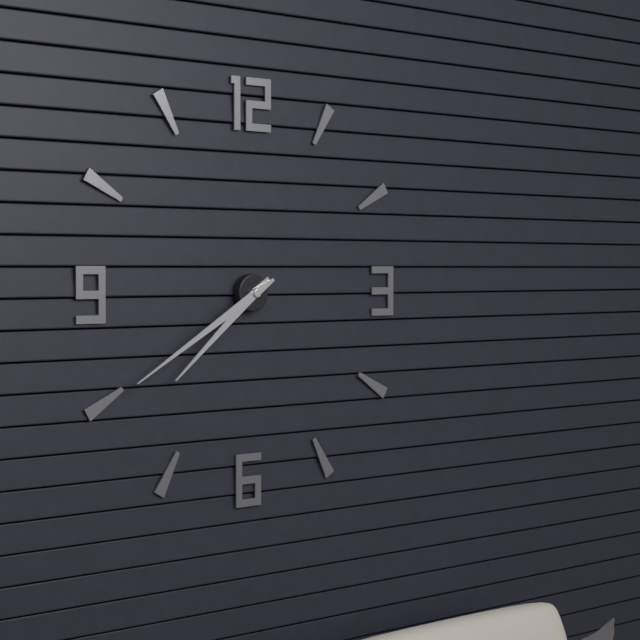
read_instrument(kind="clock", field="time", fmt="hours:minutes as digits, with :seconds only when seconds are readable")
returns 7:40
